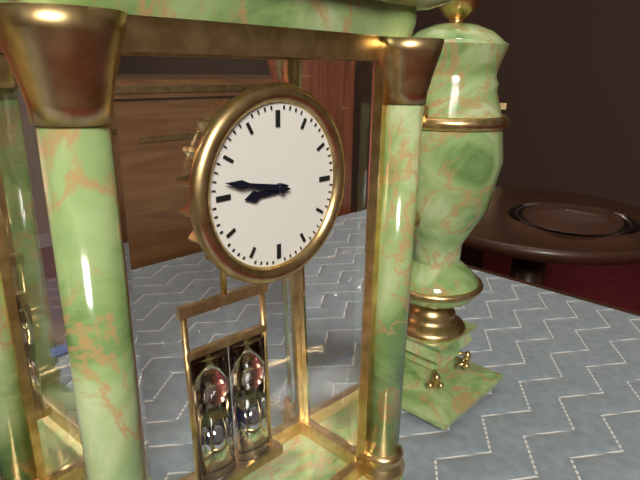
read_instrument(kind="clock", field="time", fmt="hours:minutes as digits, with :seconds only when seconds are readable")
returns 8:47
